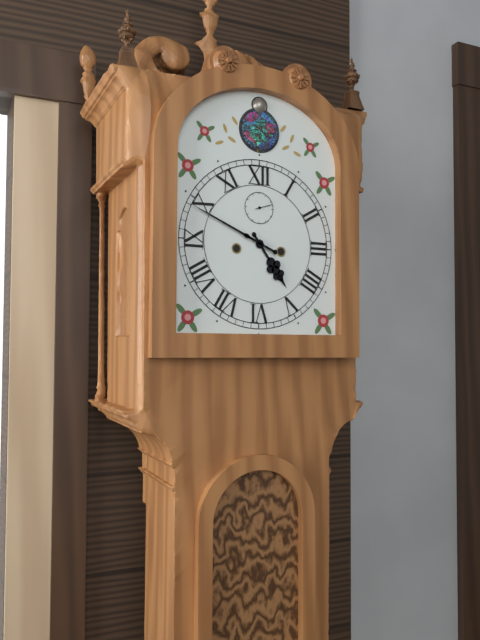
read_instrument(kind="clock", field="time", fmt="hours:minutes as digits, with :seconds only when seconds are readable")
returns 4:49
